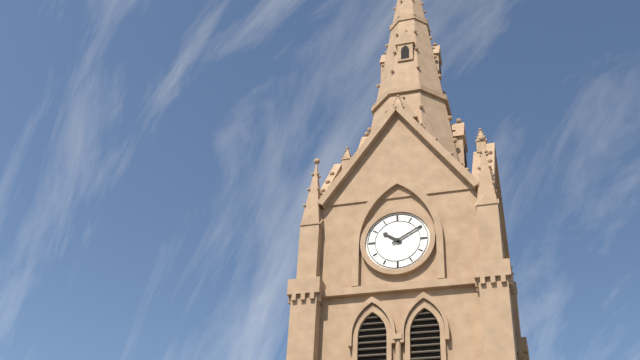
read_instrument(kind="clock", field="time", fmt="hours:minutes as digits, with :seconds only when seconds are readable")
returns 10:10
